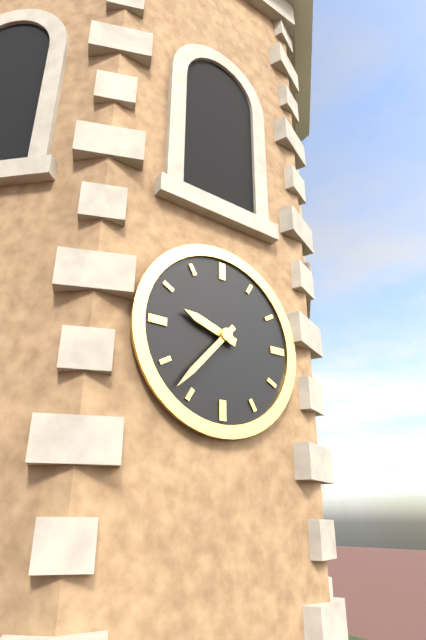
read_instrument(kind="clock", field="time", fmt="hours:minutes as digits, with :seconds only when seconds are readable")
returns 9:37
